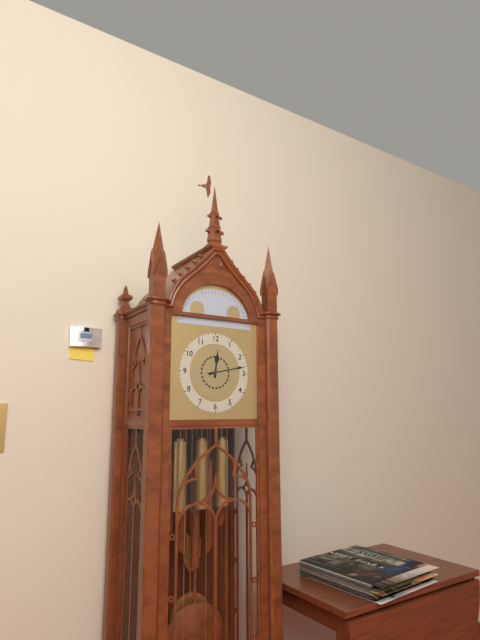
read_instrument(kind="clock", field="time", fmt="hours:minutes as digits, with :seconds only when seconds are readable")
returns 12:13
